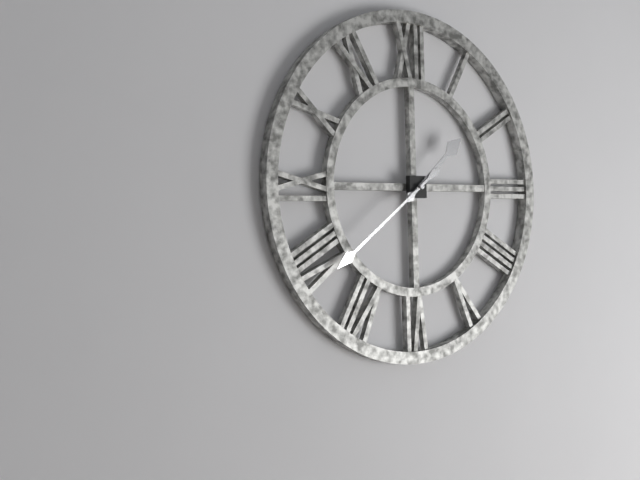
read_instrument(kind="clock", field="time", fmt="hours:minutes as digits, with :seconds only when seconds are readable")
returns 1:39
